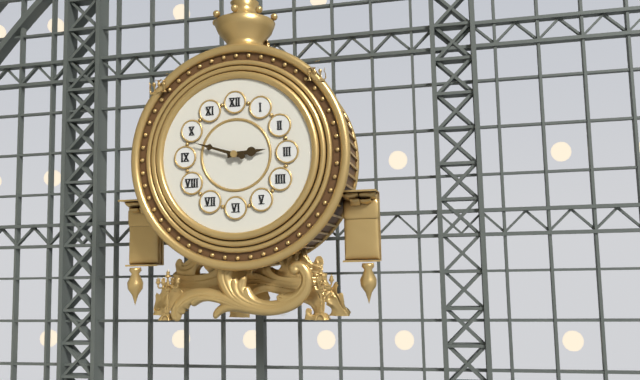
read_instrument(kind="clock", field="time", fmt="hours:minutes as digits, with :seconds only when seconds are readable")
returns 2:48
